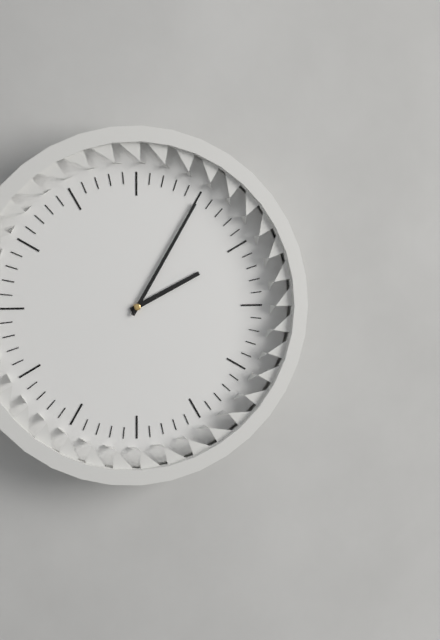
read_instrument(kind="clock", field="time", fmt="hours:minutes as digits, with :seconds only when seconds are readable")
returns 2:05
